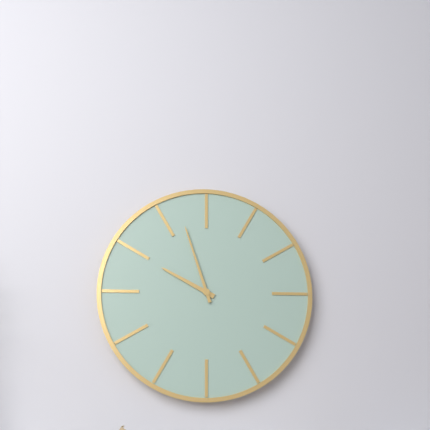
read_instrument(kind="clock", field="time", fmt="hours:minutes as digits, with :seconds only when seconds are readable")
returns 9:57
